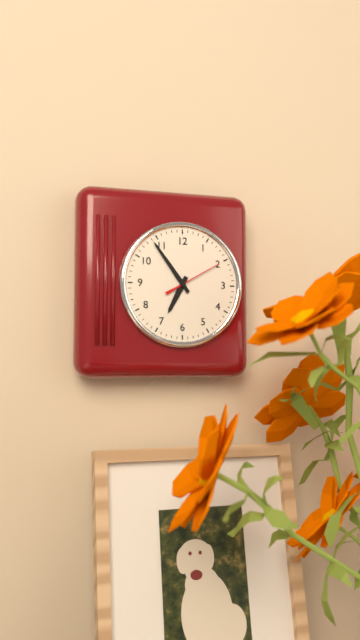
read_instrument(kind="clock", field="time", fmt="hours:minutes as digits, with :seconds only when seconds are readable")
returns 6:54:10
